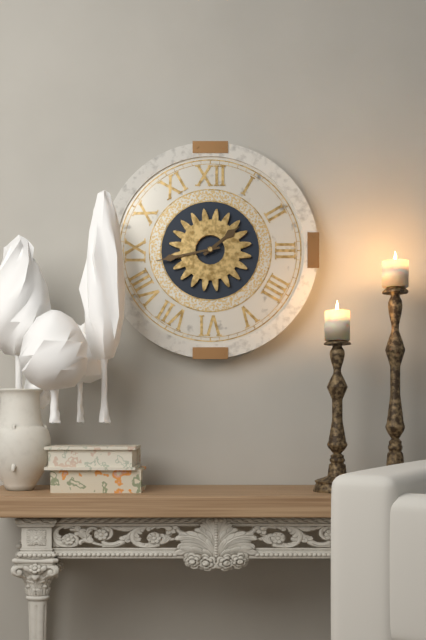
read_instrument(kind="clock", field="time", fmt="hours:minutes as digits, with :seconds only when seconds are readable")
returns 1:43
